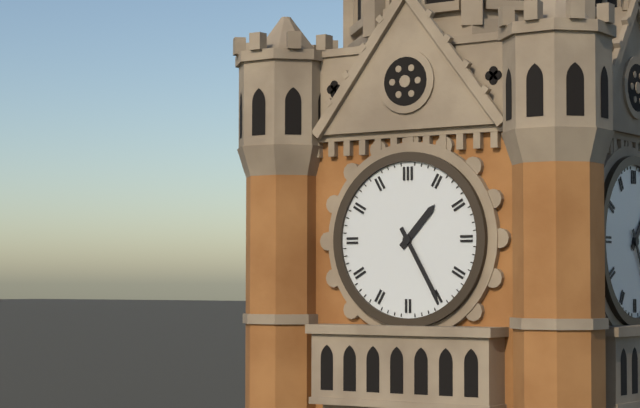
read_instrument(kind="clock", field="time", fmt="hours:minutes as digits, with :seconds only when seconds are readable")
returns 1:25
